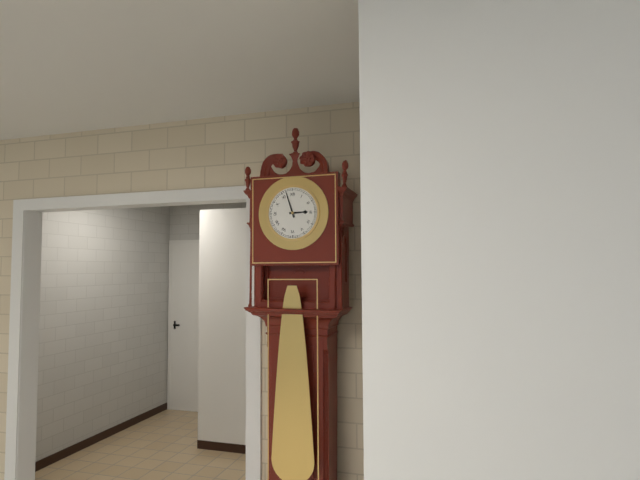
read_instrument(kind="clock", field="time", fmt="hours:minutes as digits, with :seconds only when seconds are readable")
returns 2:57
